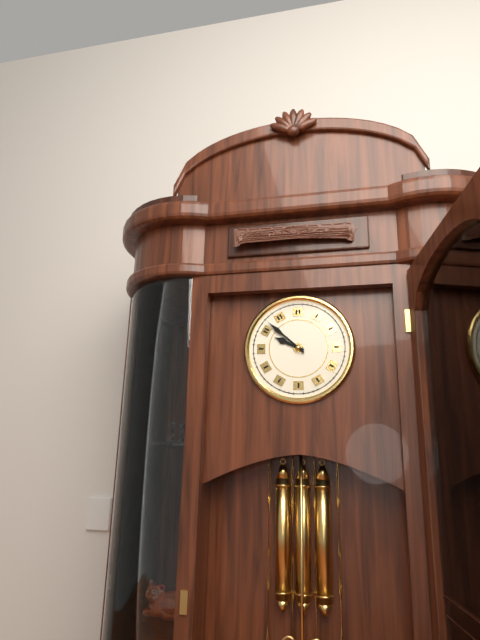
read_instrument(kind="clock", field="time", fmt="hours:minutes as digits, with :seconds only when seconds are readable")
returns 9:52
